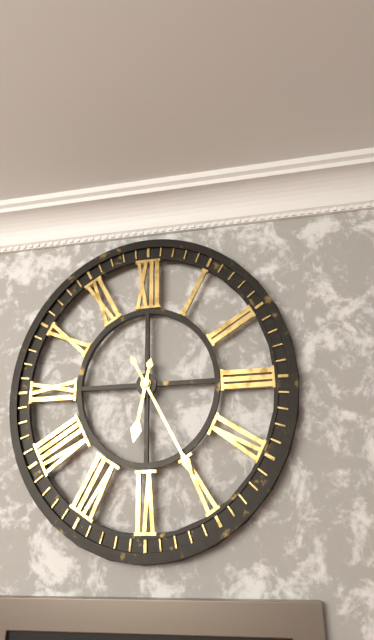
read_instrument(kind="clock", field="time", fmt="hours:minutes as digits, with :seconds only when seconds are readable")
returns 6:25
